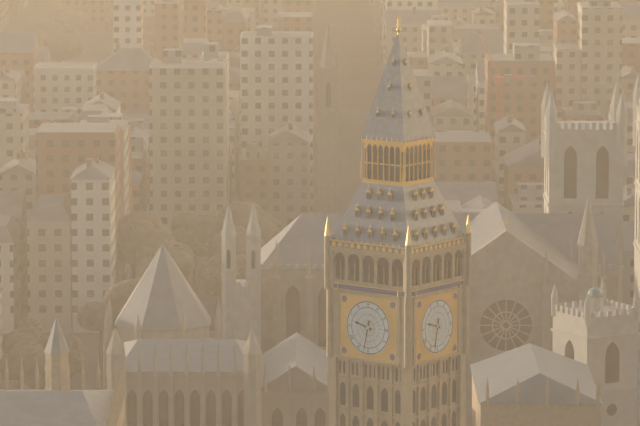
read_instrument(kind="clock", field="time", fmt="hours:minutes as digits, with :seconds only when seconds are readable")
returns 9:32
